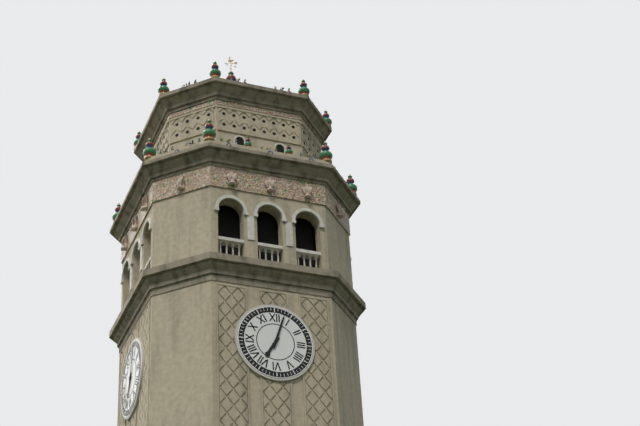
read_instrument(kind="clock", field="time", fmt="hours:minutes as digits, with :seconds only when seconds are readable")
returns 7:03
